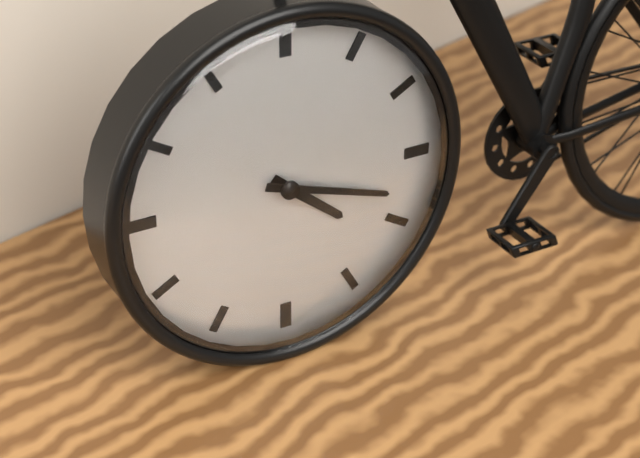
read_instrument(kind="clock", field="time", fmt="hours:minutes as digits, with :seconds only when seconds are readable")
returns 4:18
